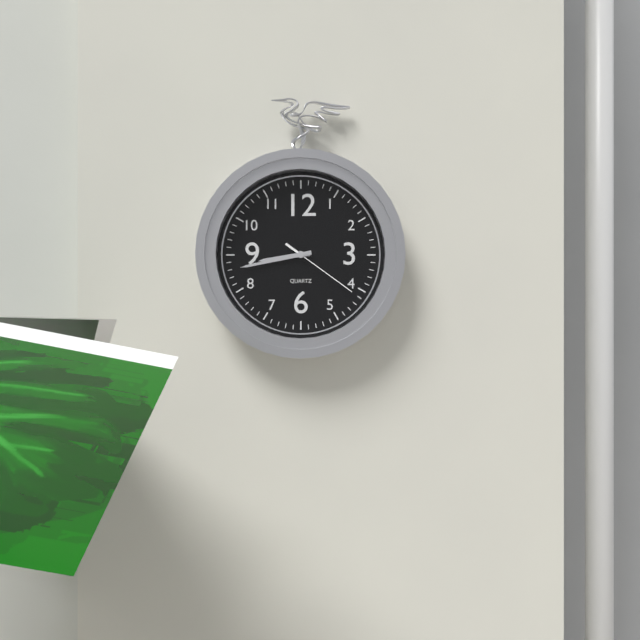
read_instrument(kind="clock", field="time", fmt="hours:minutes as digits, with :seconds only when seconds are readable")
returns 8:43:21
